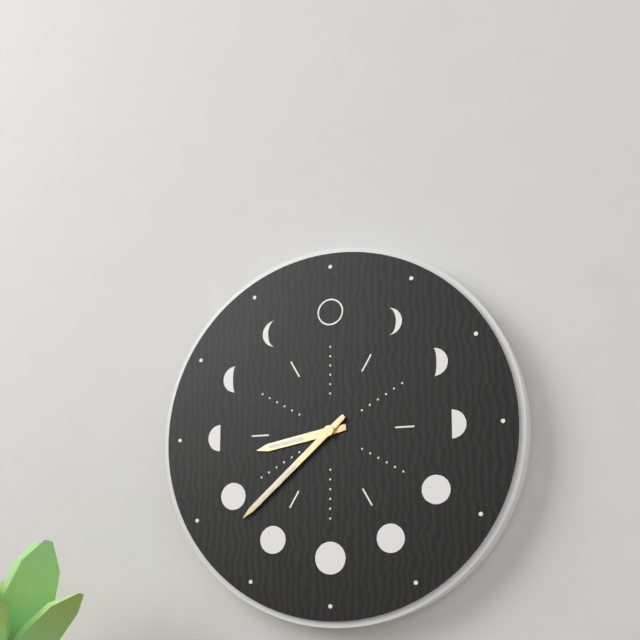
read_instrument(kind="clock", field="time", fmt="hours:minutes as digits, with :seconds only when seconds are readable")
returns 8:38
